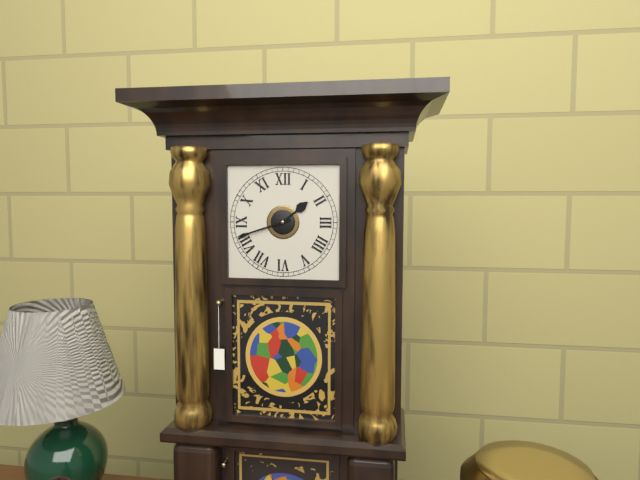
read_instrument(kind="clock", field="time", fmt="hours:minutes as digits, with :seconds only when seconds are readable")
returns 1:42
